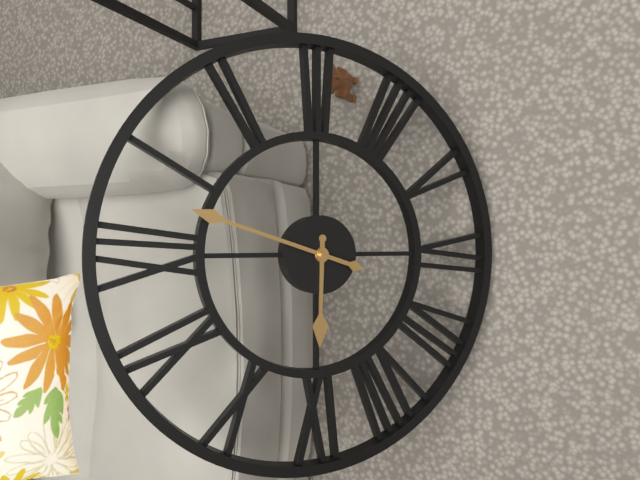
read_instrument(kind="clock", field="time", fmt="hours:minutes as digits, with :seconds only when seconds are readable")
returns 9:03
